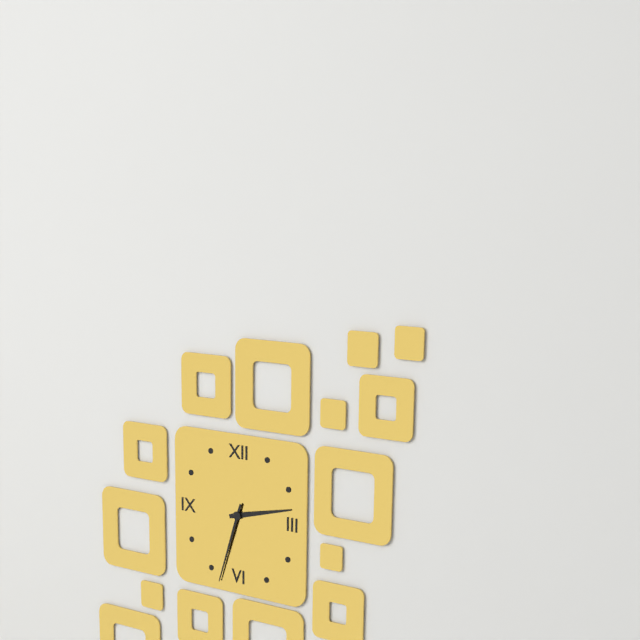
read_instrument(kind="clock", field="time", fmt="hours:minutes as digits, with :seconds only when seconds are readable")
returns 2:33
